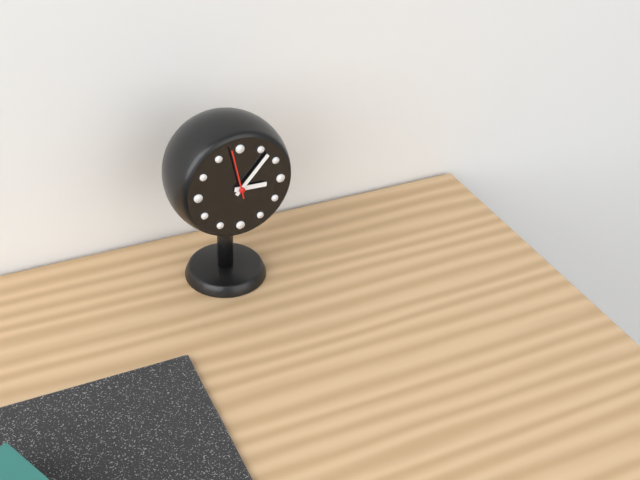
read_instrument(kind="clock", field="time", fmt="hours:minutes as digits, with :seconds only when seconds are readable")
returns 3:07:58
